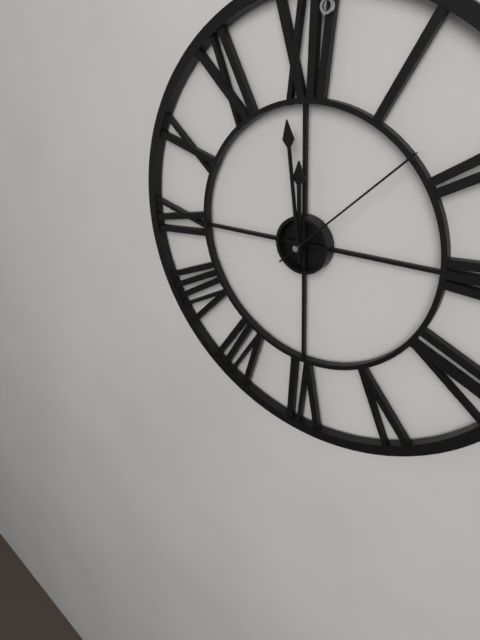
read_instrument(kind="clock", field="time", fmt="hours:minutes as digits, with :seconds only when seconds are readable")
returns 11:59:08
